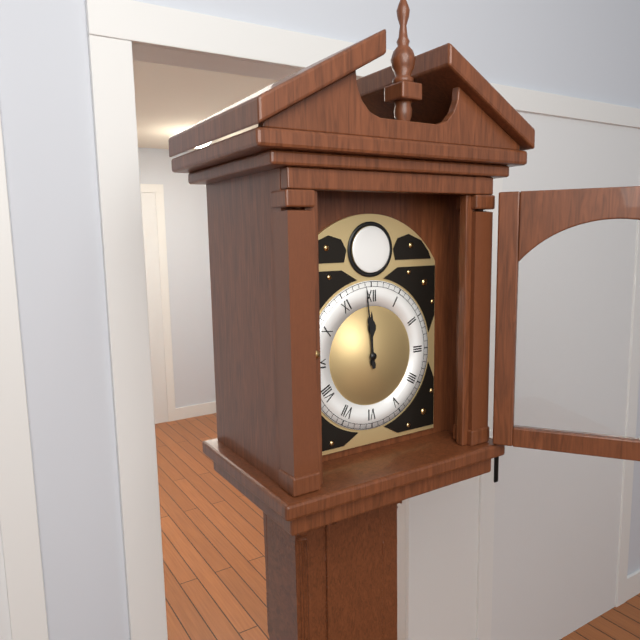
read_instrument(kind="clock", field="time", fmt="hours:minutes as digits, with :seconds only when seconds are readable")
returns 11:59
